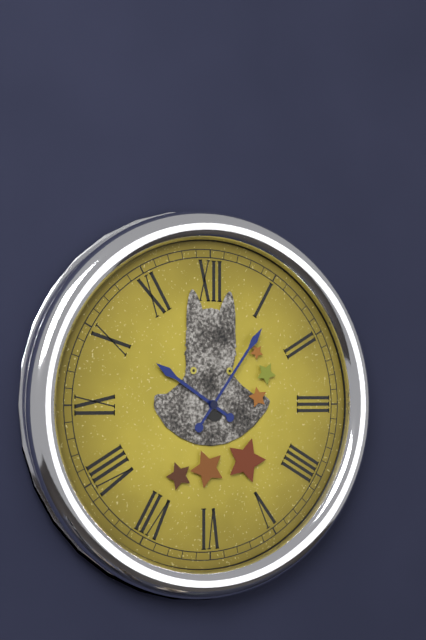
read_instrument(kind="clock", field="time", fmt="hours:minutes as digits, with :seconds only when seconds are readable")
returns 10:06
